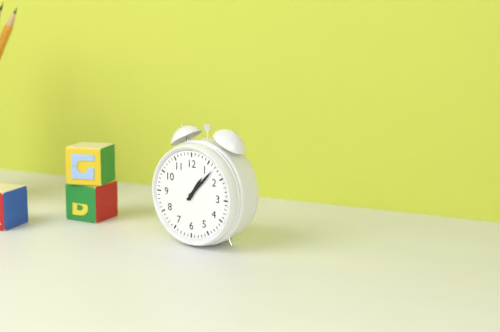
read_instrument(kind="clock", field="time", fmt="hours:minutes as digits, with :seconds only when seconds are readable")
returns 1:07
